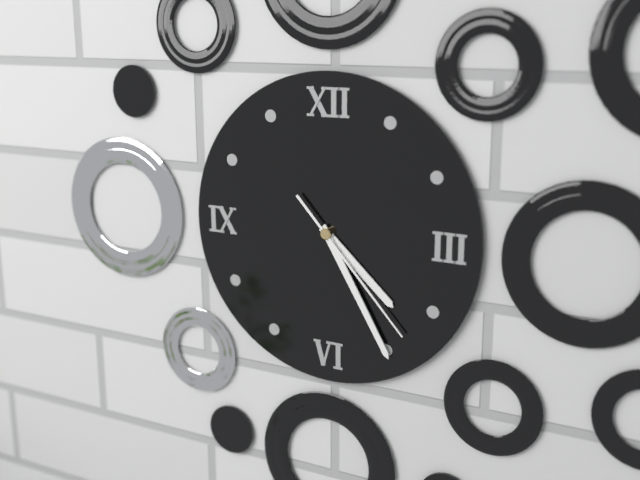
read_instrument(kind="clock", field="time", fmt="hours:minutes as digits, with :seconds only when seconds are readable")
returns 4:25:23
